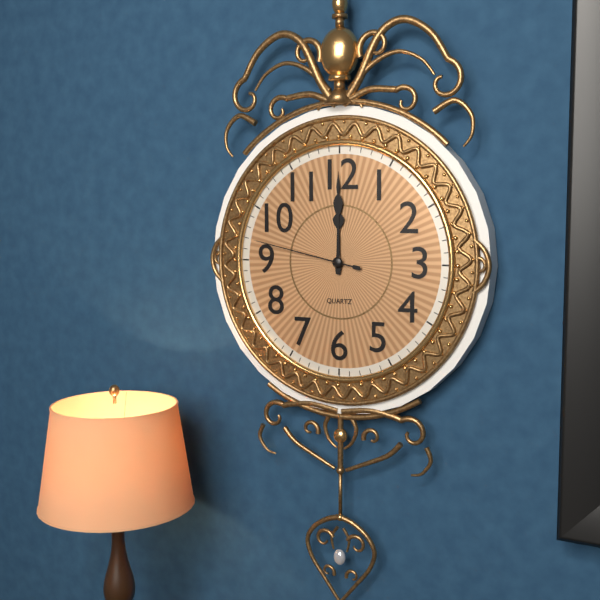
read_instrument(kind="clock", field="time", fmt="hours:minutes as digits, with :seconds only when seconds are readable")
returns 12:00:47
